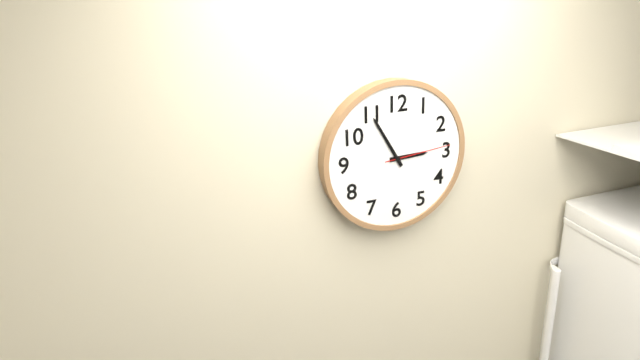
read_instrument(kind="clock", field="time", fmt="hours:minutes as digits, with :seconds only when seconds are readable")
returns 2:55:14
